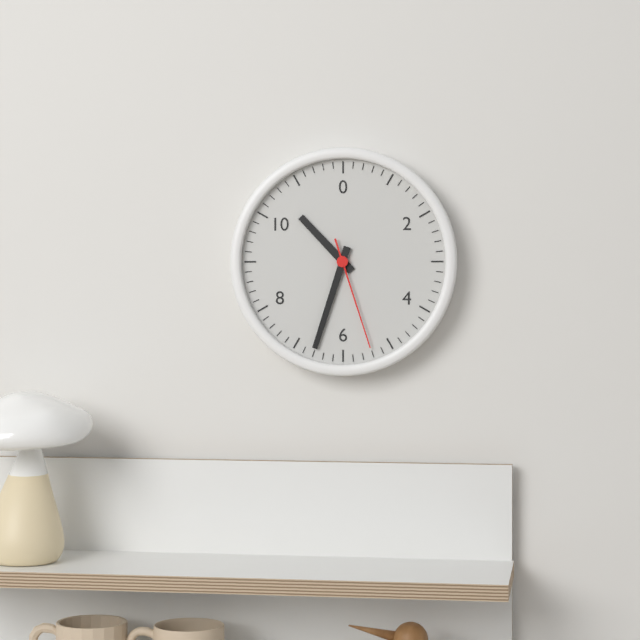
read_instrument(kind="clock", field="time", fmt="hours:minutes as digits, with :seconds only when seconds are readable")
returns 10:33:27
